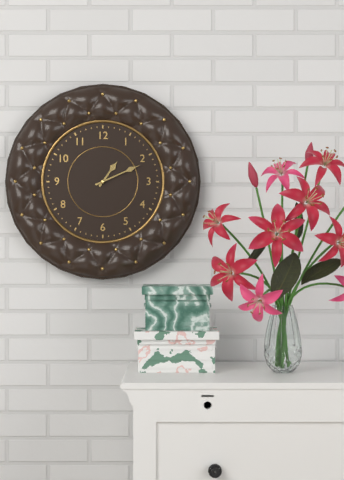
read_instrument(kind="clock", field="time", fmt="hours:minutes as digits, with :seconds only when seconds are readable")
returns 1:11
